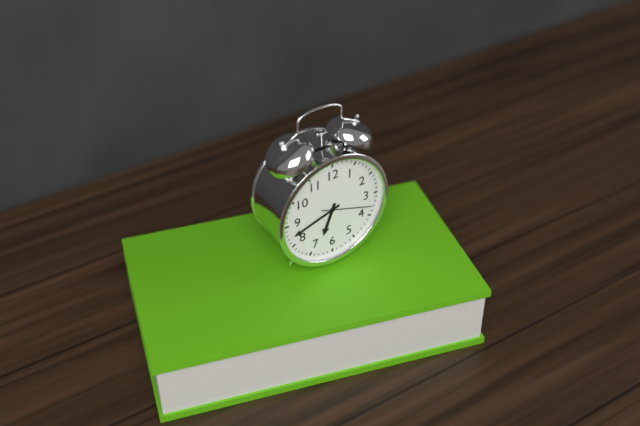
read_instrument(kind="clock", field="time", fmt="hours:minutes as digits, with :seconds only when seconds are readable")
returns 6:42:18
